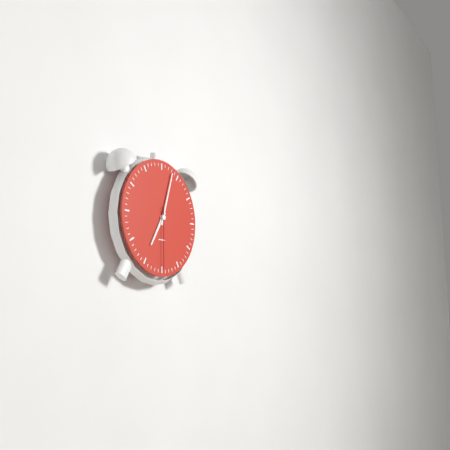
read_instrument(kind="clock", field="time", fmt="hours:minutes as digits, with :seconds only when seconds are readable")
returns 7:03:30
